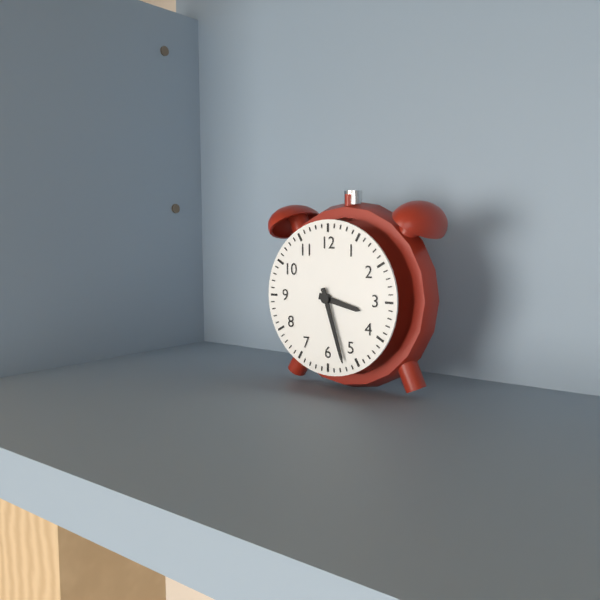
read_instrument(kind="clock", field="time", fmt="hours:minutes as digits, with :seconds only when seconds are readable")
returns 3:27
